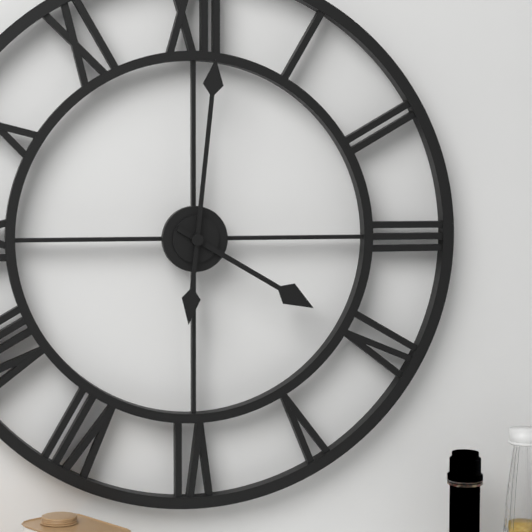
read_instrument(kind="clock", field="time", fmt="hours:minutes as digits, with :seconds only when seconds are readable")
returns 4:01
